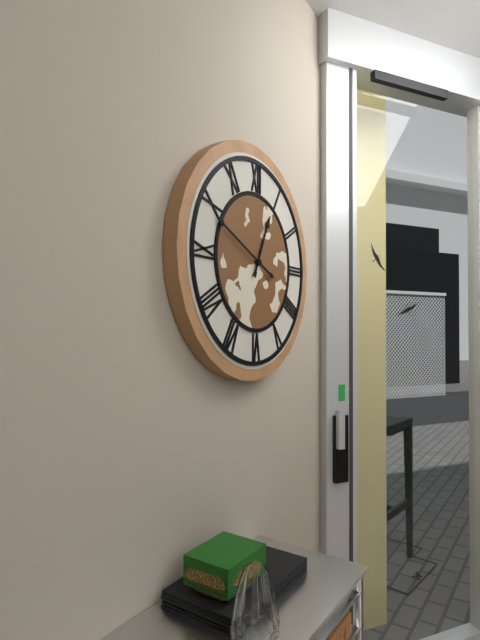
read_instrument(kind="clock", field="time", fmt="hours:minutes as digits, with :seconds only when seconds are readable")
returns 12:49
